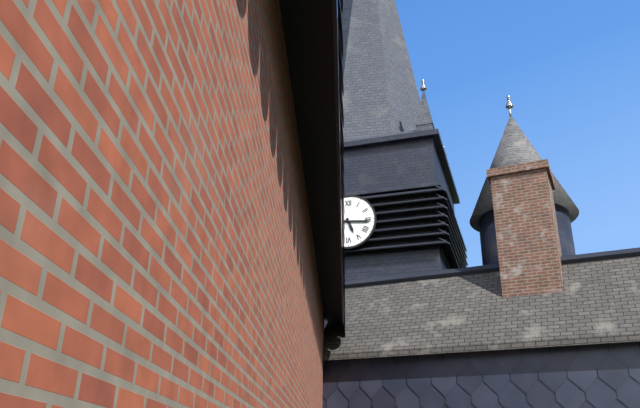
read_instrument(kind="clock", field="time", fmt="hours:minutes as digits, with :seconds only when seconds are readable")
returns 5:16
